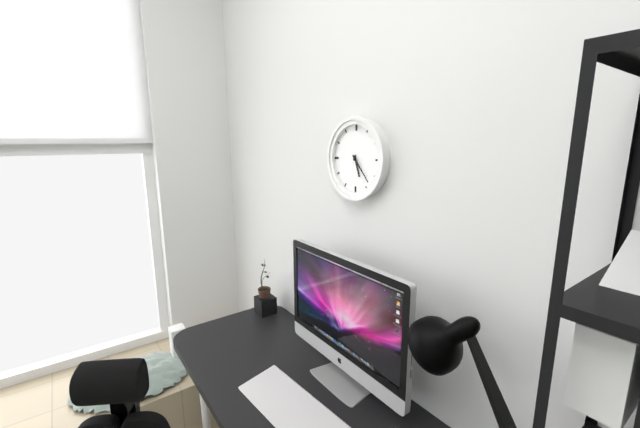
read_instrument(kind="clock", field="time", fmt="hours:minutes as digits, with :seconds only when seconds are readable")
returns 5:23
